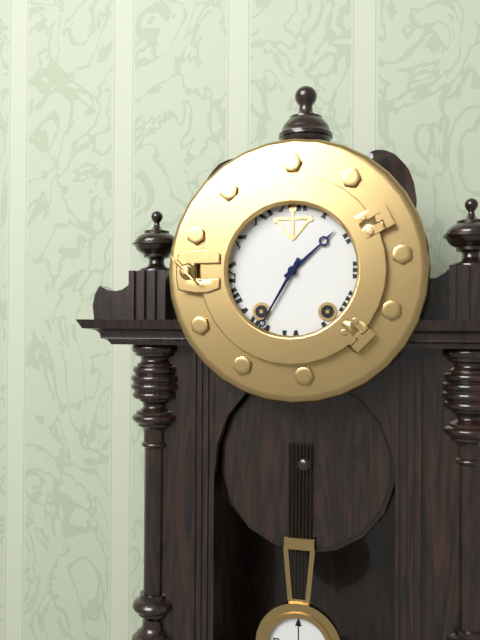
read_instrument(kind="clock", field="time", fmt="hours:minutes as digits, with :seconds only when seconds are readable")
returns 1:35
